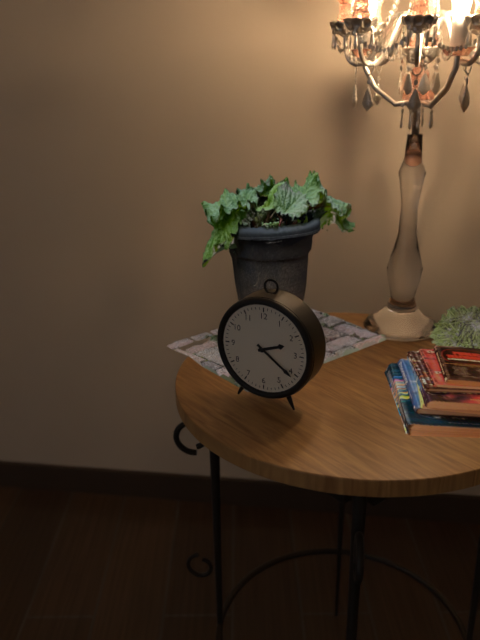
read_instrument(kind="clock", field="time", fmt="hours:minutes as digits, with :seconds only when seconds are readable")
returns 2:21
